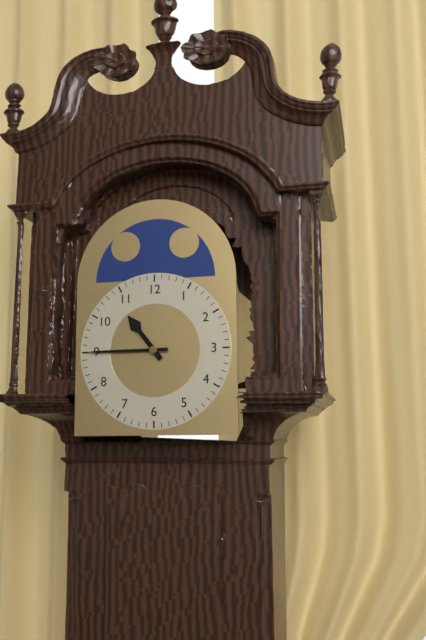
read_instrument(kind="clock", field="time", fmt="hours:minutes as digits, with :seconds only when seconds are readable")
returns 10:45
